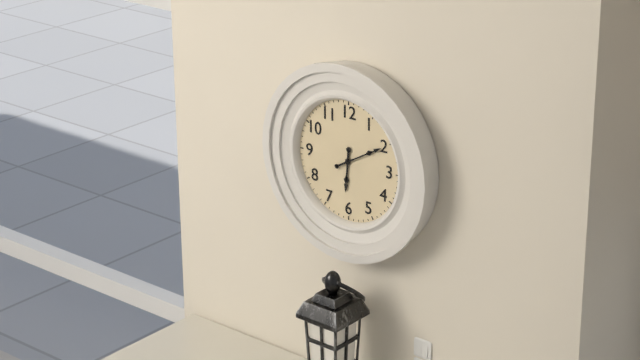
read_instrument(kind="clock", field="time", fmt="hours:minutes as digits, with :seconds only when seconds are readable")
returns 6:10
